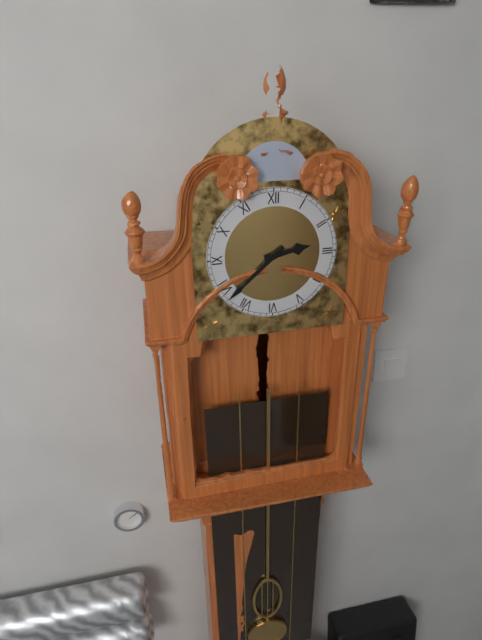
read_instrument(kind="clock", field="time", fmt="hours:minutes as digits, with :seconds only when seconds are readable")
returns 2:38
